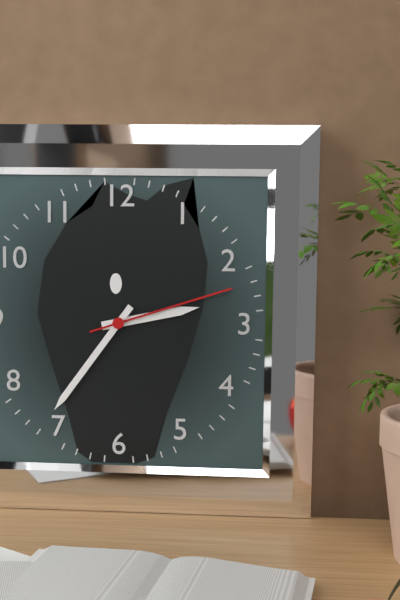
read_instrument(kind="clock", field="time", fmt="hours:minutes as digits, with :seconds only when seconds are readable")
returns 2:36:12
